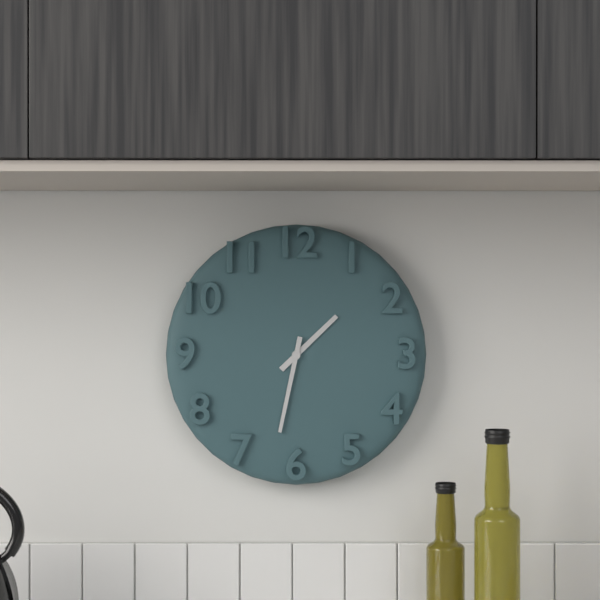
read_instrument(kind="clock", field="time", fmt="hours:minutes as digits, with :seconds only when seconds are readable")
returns 1:32
